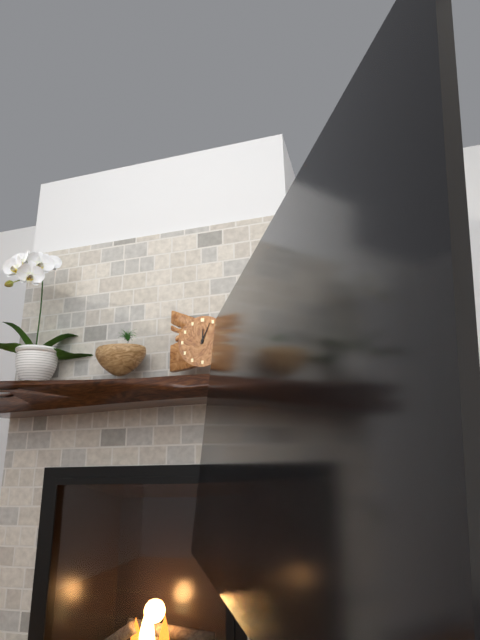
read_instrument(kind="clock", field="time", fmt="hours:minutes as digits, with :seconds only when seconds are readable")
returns 12:04
